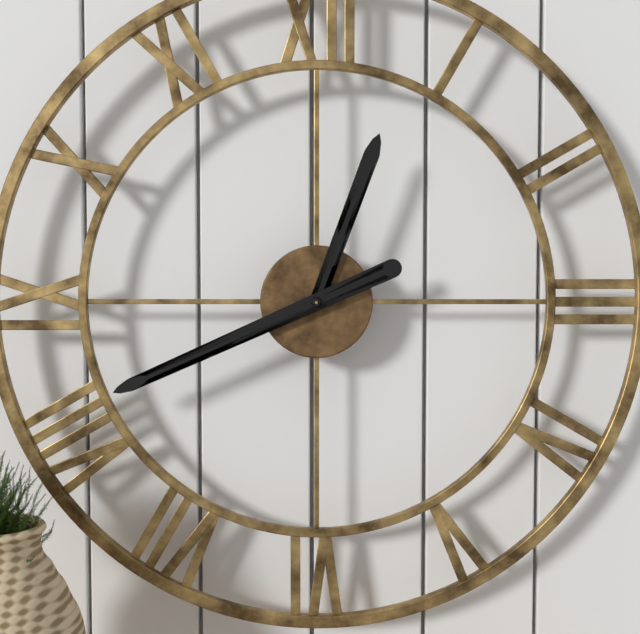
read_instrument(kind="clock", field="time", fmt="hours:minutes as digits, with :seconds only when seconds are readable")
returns 12:41
